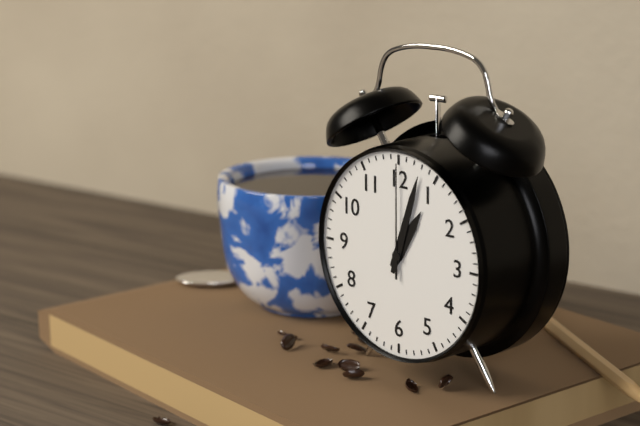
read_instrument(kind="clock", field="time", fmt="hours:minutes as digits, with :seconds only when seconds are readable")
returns 1:03:00
